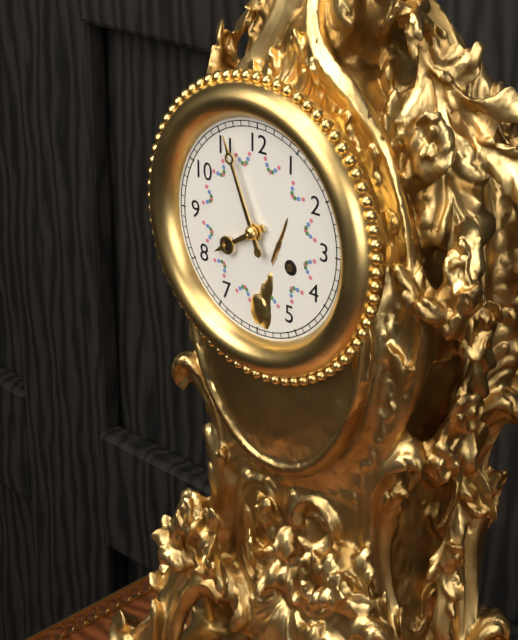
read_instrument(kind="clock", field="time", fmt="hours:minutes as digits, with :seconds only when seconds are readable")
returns 7:56
